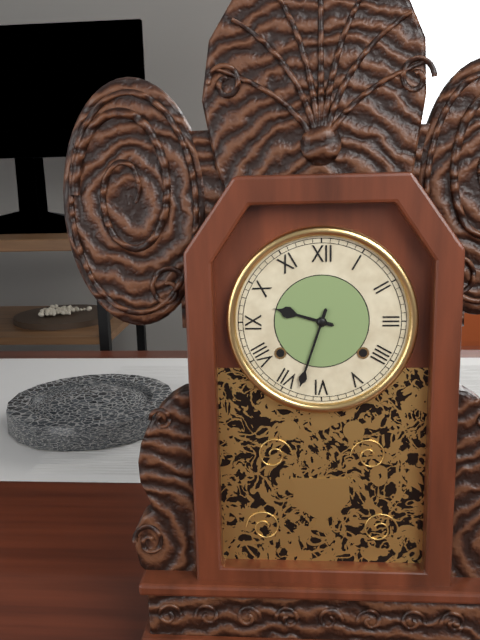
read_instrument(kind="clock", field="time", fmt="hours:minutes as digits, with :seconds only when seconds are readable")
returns 9:33
